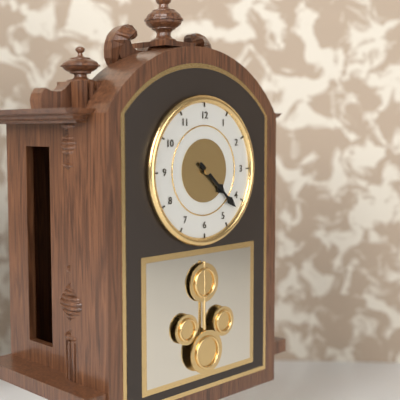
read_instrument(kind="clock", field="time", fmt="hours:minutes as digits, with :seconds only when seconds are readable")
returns 4:22
